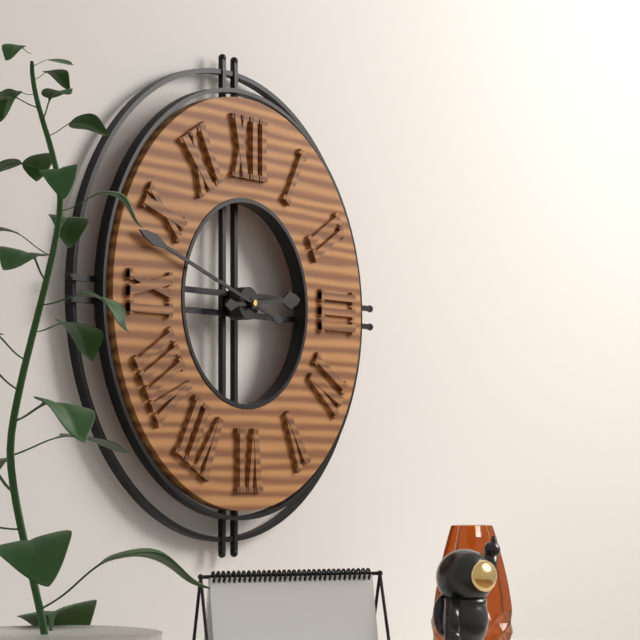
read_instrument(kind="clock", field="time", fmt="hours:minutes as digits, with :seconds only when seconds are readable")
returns 2:48
